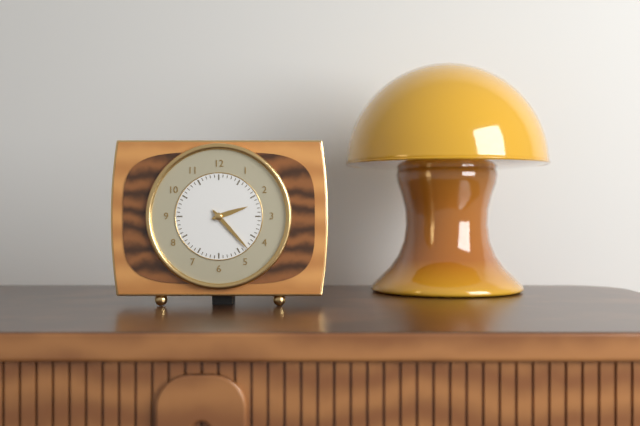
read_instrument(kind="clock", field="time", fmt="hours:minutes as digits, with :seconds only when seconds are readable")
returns 2:23
